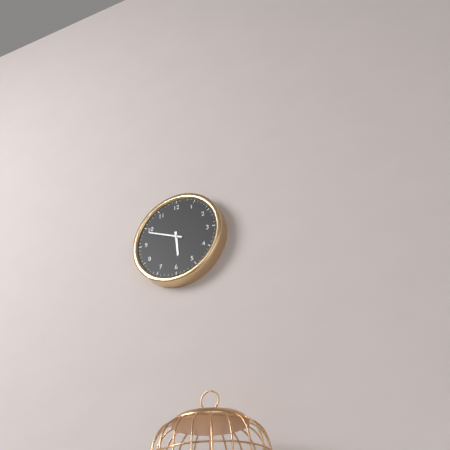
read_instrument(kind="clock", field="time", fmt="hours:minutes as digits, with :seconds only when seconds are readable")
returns 5:49
